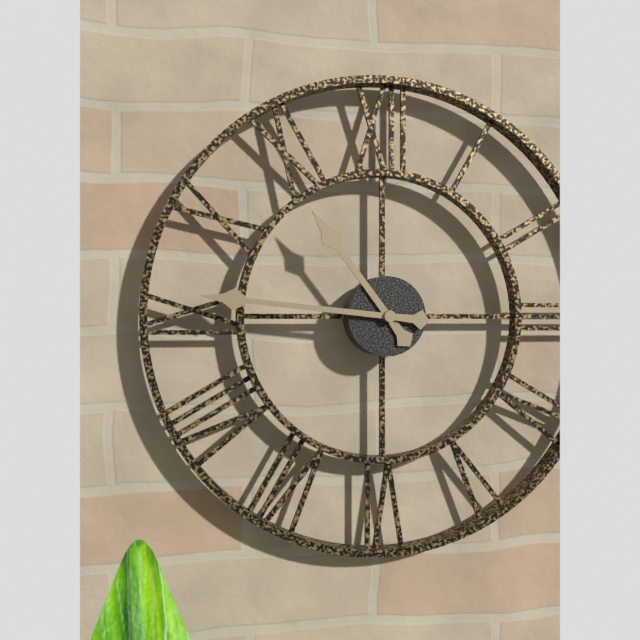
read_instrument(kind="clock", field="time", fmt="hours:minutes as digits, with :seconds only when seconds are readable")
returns 10:46
